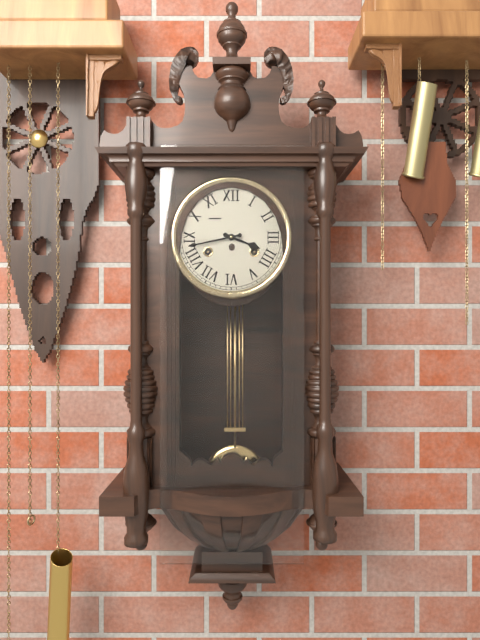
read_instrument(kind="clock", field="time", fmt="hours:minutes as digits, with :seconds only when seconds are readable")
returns 3:43
